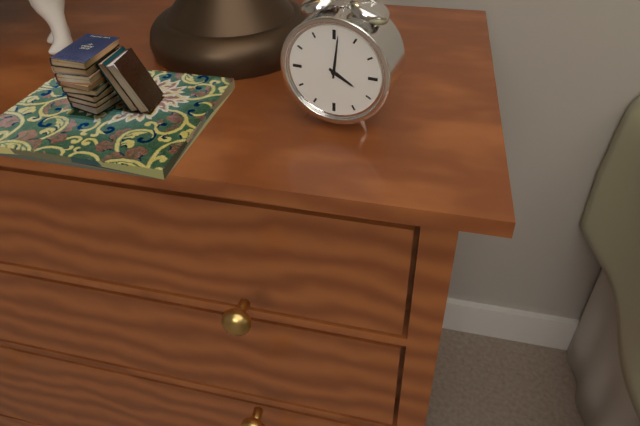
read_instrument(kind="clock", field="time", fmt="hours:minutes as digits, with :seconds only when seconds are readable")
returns 4:01
